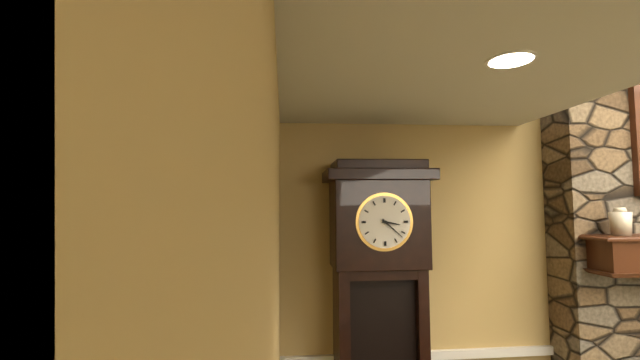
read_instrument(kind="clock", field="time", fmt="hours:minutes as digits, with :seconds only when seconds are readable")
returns 3:22
